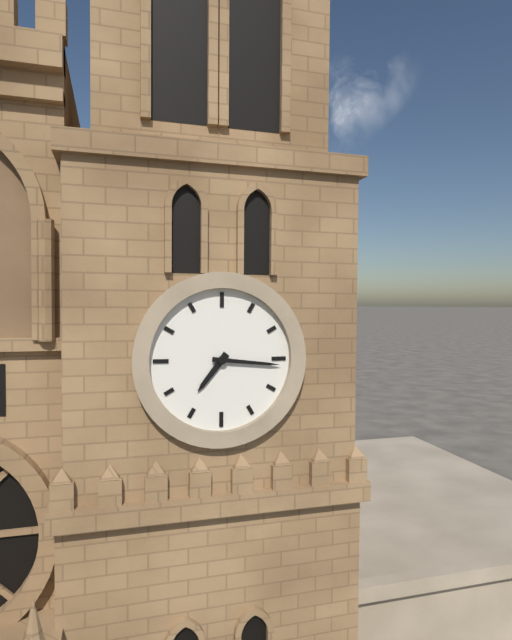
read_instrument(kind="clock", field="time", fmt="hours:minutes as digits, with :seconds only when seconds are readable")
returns 7:16
